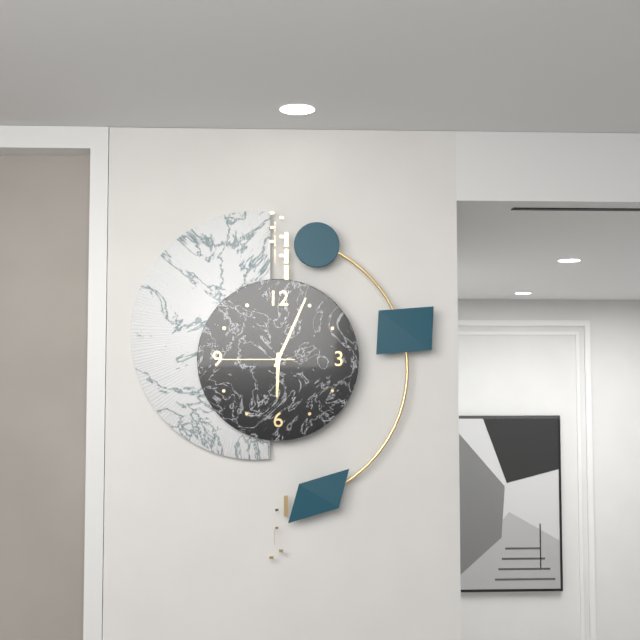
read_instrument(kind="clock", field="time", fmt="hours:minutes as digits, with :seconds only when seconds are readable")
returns 6:04:45
